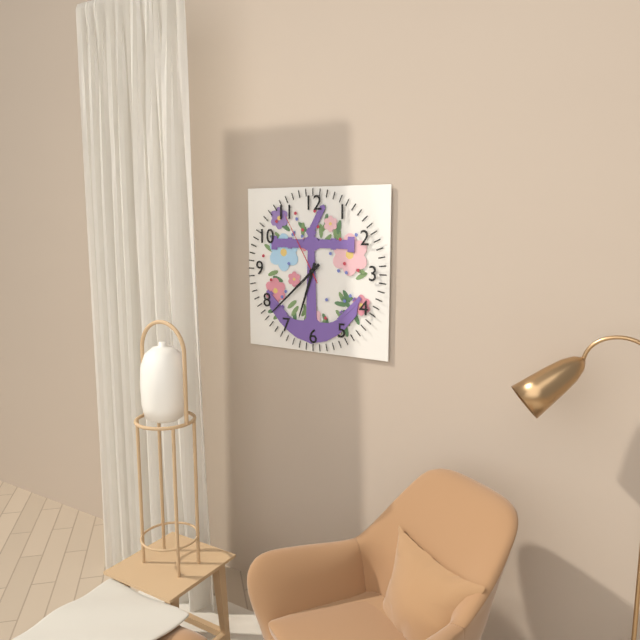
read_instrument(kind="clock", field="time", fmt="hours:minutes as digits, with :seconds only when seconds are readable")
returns 6:38:55
